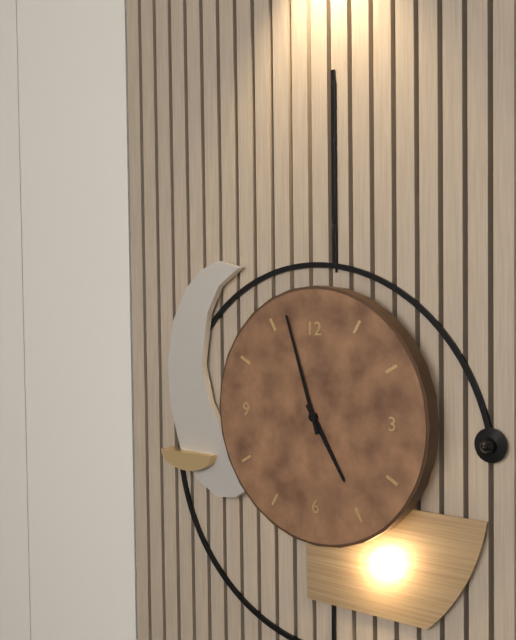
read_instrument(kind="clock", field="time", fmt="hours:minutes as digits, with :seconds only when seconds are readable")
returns 4:57
